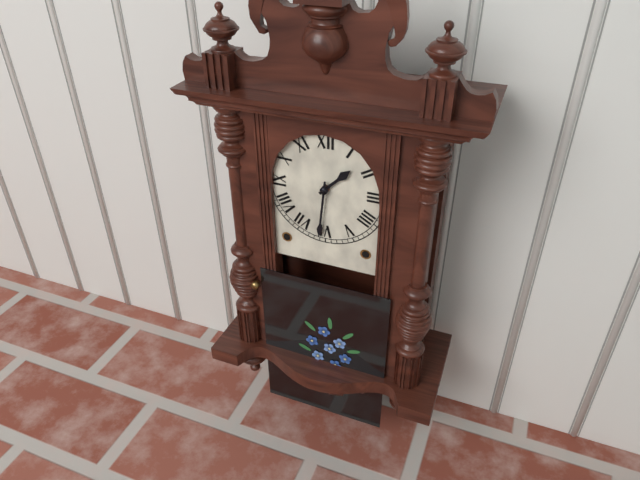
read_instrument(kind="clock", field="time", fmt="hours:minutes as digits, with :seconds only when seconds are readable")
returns 1:31
